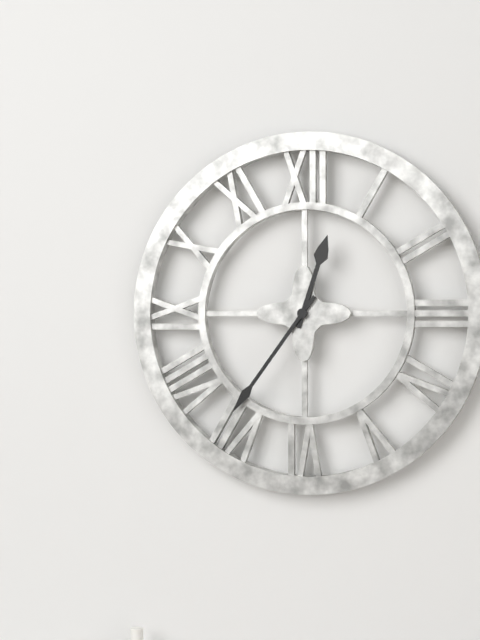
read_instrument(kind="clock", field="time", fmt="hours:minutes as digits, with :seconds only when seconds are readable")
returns 12:36
